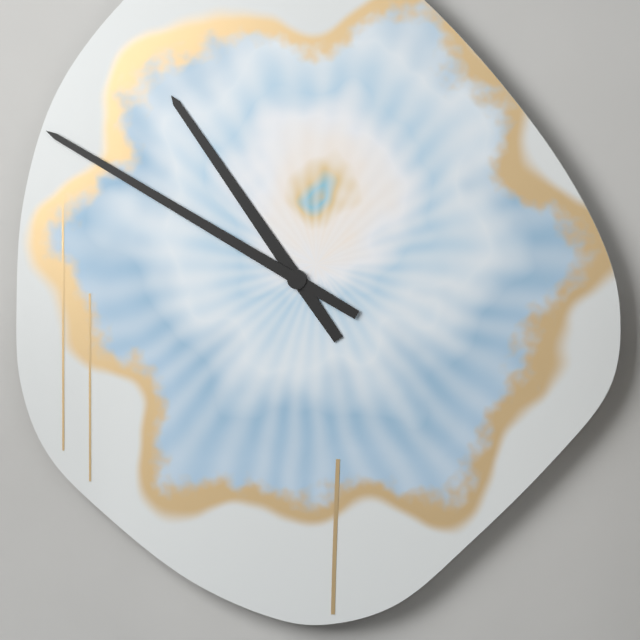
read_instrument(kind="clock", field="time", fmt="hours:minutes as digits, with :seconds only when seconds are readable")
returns 10:50
